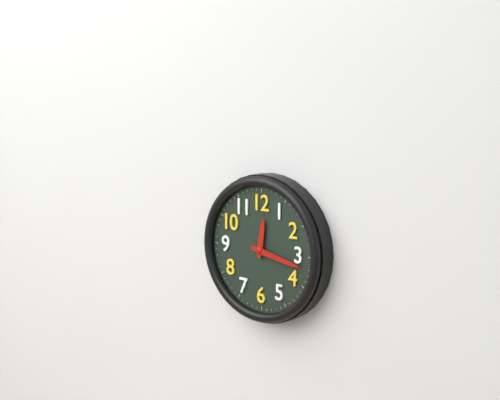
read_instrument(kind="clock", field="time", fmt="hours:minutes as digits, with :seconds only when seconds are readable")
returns 12:17
